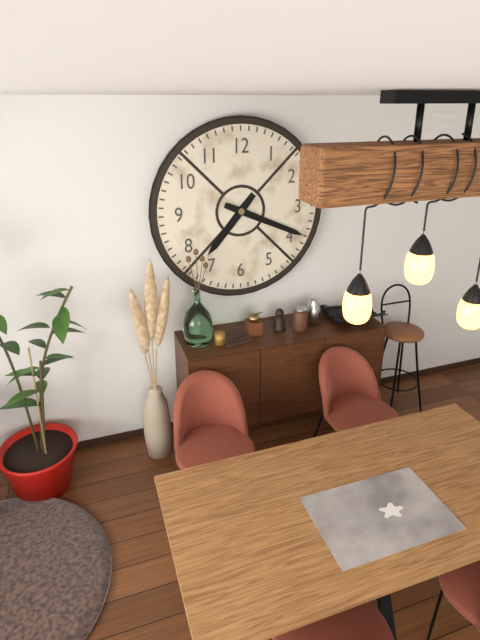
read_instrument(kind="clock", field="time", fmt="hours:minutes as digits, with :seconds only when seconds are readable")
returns 7:19
